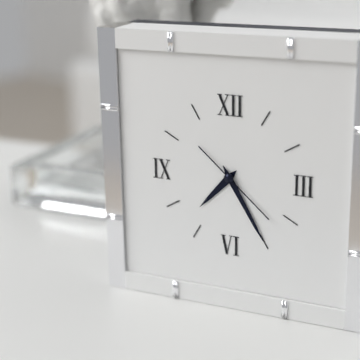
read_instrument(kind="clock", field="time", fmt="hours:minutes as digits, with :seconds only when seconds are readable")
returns 7:25:22
